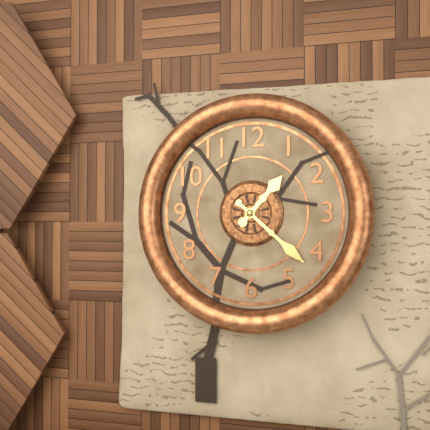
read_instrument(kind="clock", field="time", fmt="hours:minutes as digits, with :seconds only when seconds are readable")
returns 1:22
